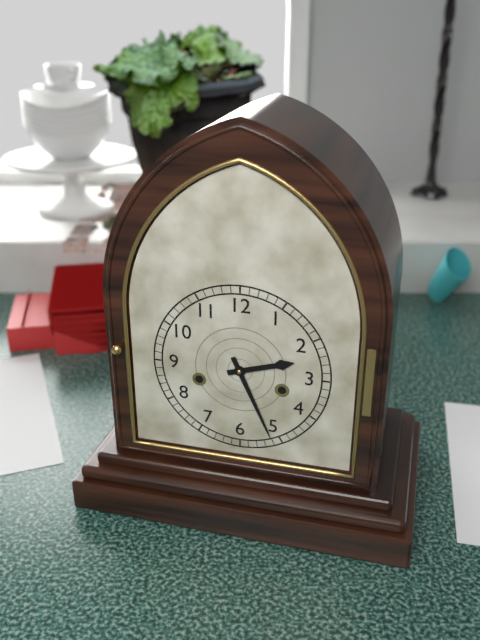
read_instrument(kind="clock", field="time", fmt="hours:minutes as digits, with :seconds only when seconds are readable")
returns 2:26
